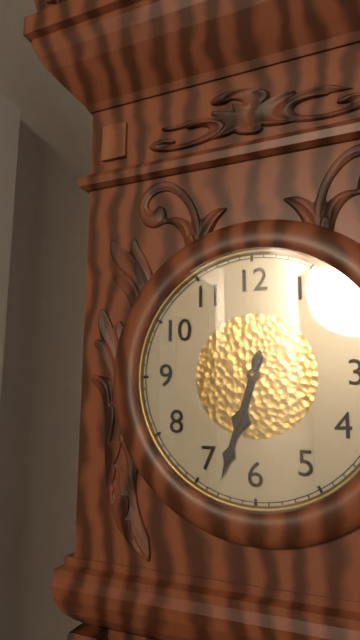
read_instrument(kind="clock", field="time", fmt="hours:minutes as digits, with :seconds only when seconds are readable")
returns 6:33
